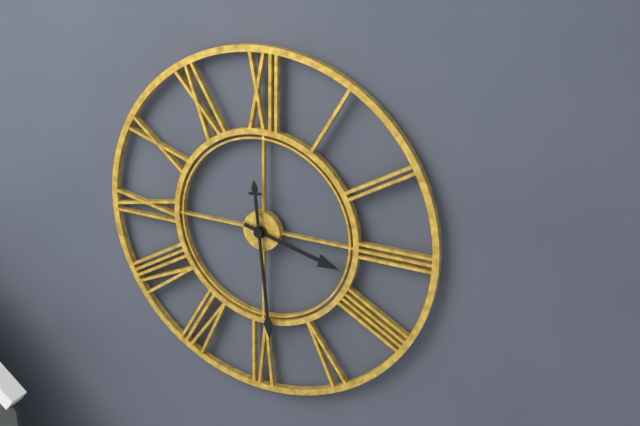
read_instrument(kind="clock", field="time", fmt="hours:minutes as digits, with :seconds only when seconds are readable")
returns 3:29
